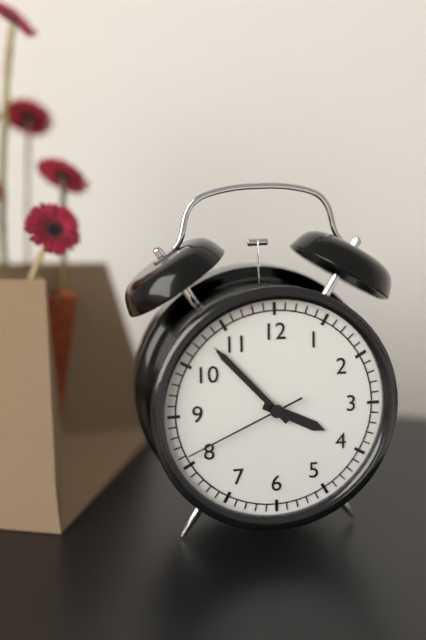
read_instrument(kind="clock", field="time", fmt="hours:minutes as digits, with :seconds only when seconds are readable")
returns 3:53:41
